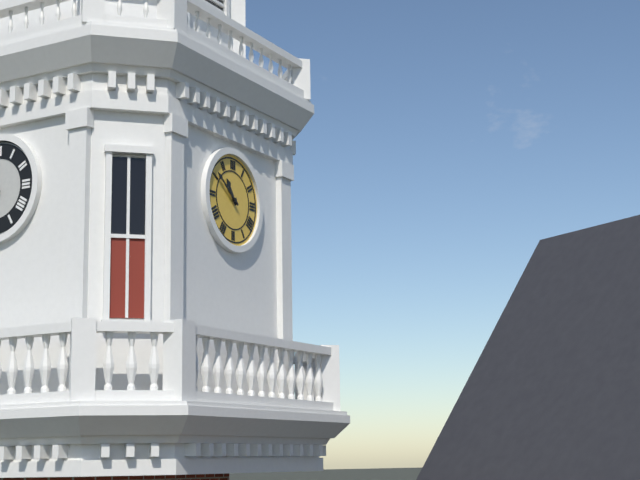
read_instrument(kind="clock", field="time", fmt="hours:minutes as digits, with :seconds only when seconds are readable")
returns 10:51
